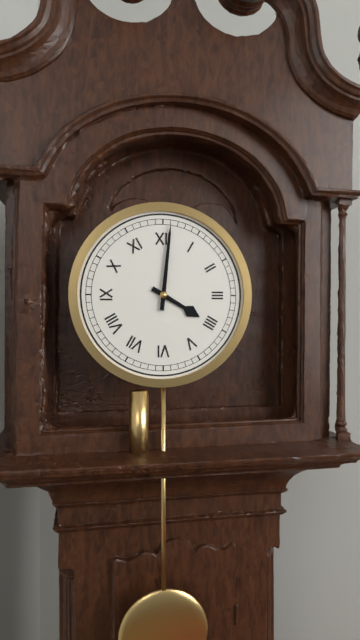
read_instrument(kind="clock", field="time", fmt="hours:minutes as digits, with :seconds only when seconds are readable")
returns 4:01
